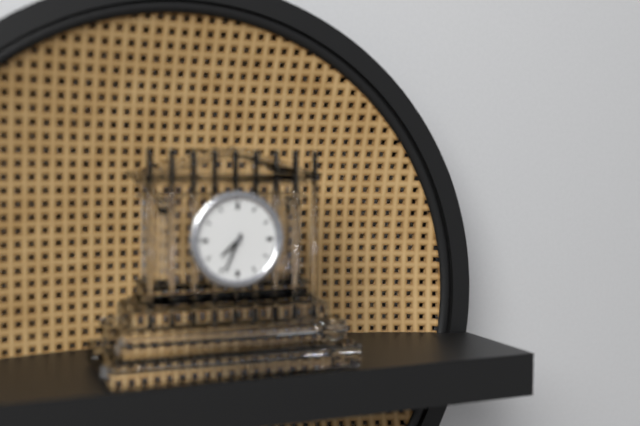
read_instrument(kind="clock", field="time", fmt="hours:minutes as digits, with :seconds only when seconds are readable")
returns 7:34
